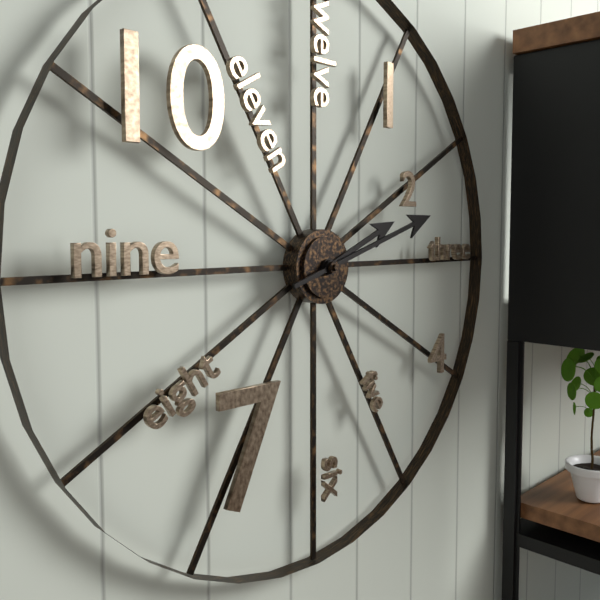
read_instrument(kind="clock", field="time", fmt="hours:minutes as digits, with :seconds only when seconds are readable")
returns 2:12
